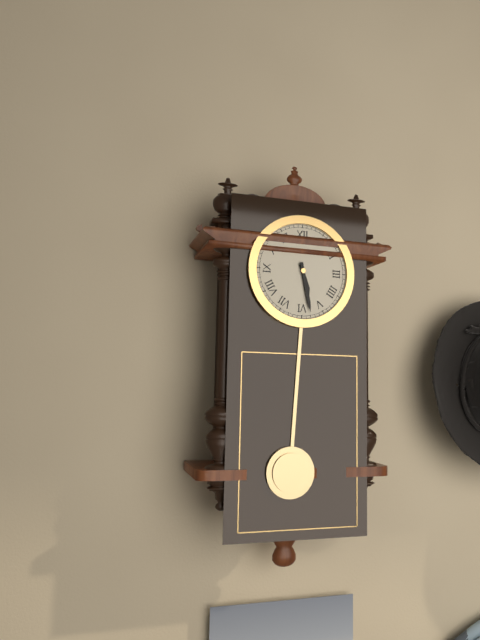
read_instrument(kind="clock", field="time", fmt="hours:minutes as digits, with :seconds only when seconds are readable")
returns 5:28
